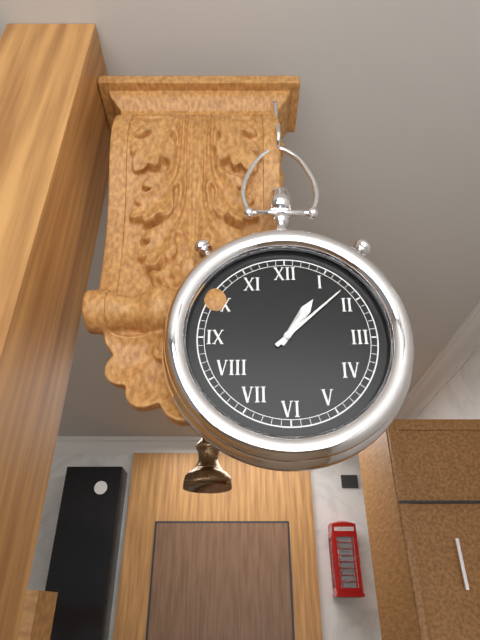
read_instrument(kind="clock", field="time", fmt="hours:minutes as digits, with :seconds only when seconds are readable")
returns 1:08
